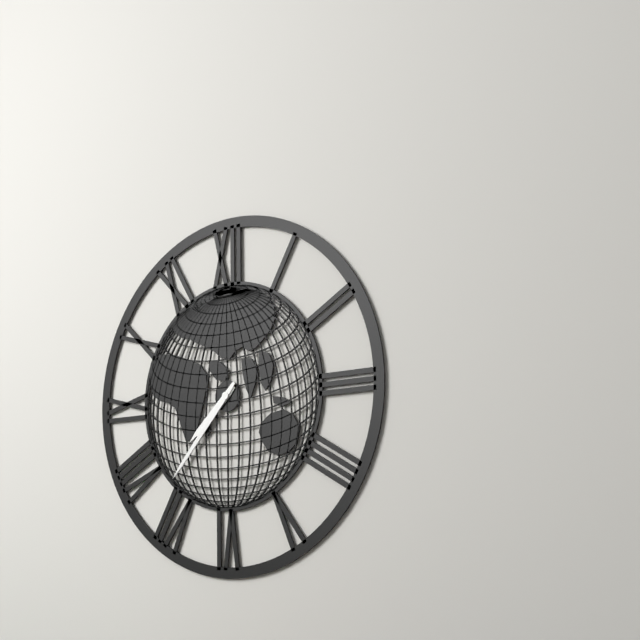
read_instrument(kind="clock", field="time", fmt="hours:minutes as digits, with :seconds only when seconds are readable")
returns 7:37
